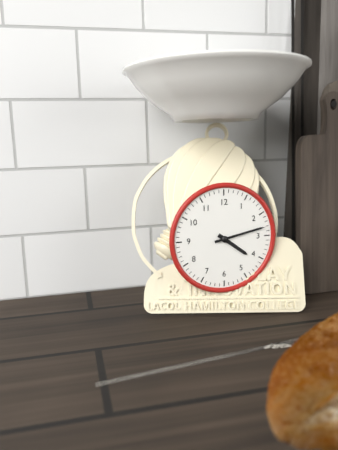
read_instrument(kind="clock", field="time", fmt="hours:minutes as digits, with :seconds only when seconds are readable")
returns 4:13
